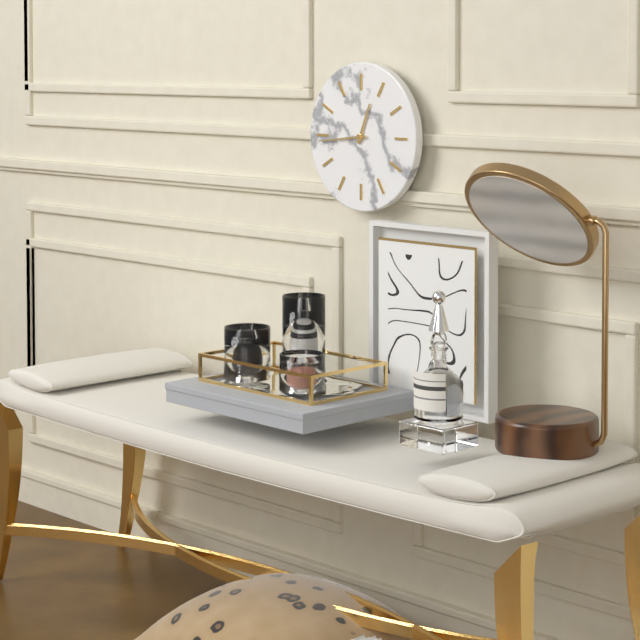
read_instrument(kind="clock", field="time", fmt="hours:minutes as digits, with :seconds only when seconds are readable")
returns 12:44
